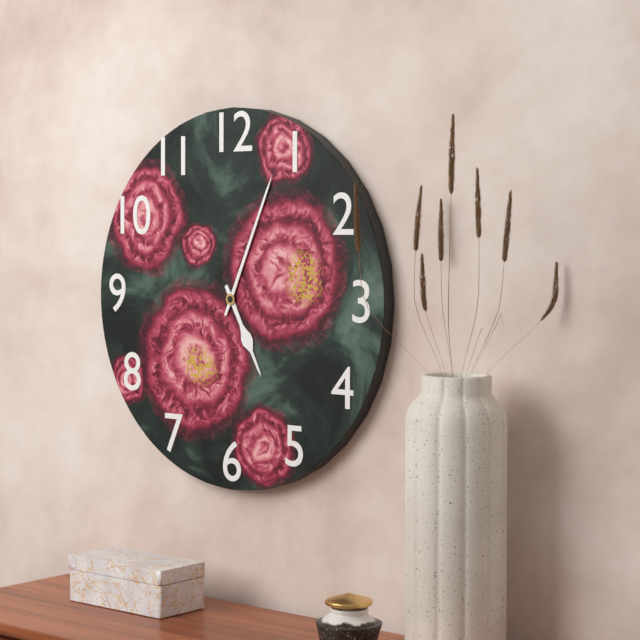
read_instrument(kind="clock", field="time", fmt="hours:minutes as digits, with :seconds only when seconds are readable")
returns 5:04
